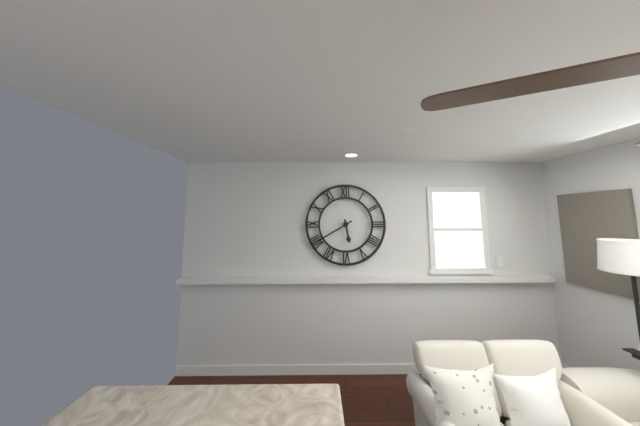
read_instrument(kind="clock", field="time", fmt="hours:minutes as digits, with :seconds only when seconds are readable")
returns 5:40
